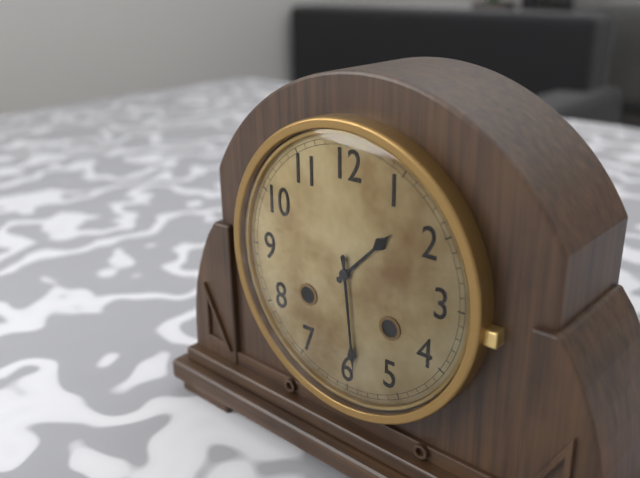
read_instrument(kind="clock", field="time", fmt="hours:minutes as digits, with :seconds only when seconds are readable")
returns 1:29
